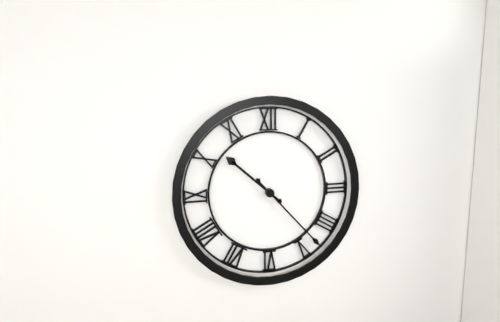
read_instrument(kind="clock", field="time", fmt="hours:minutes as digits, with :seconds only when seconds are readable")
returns 10:23
